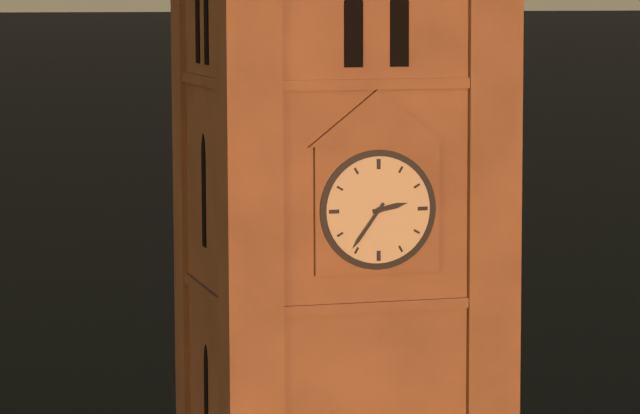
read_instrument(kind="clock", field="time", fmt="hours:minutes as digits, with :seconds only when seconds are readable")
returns 2:36
